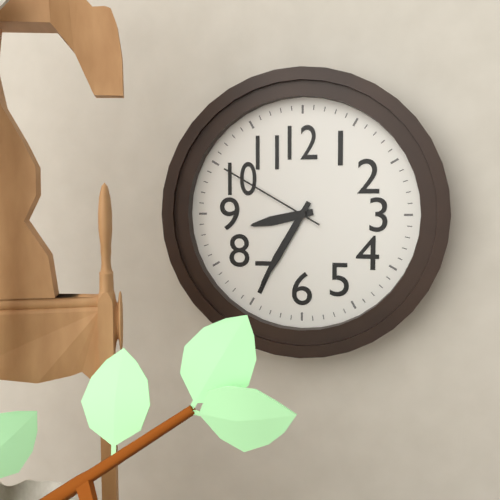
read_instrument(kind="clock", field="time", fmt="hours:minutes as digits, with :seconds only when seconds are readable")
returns 8:35:50
